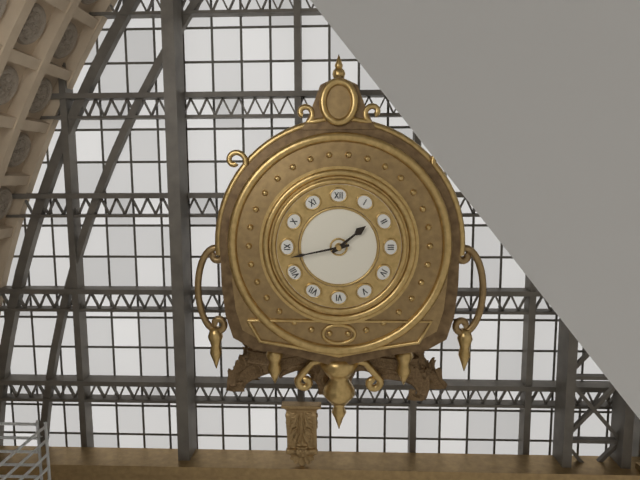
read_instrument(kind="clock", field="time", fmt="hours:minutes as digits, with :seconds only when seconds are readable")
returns 1:43
